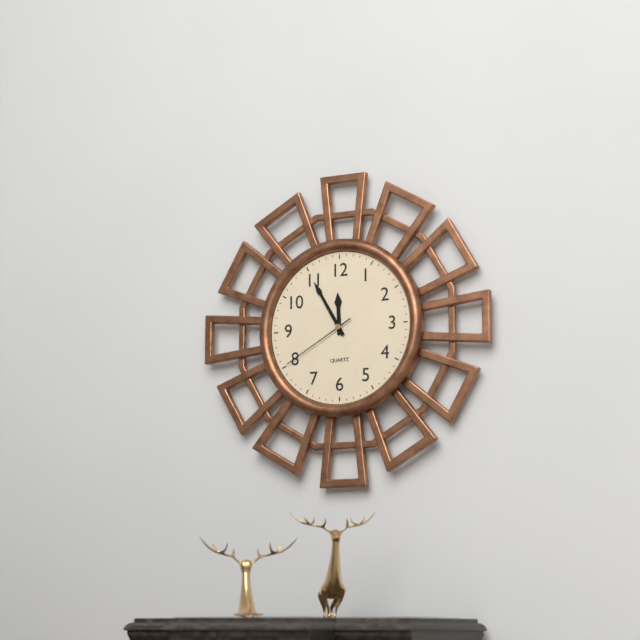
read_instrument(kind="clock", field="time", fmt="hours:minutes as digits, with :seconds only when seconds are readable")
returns 11:55:40
